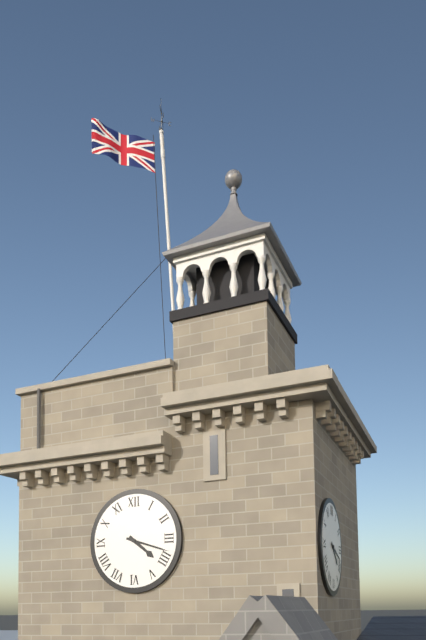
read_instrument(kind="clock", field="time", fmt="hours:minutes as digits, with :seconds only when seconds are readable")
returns 4:18
